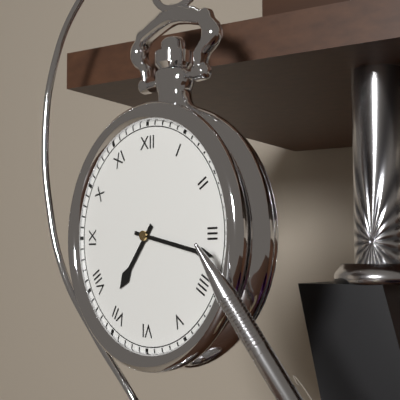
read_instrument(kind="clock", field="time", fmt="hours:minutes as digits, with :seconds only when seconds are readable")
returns 7:17
